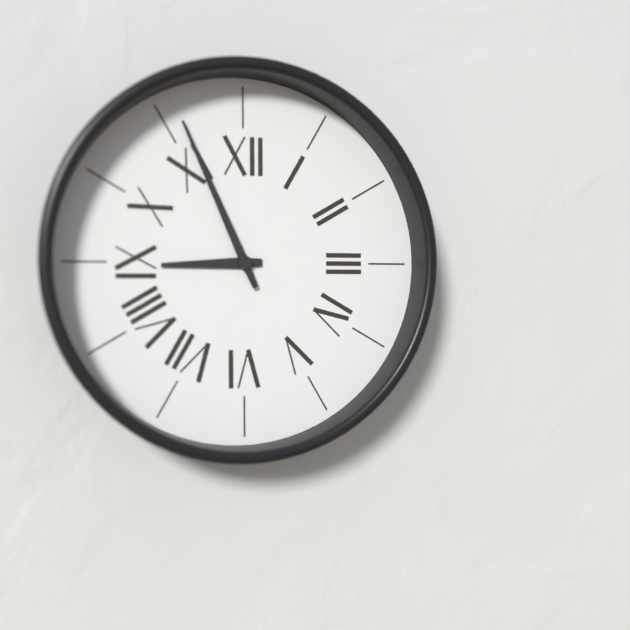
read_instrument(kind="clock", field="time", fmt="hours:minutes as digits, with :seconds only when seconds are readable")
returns 8:56
